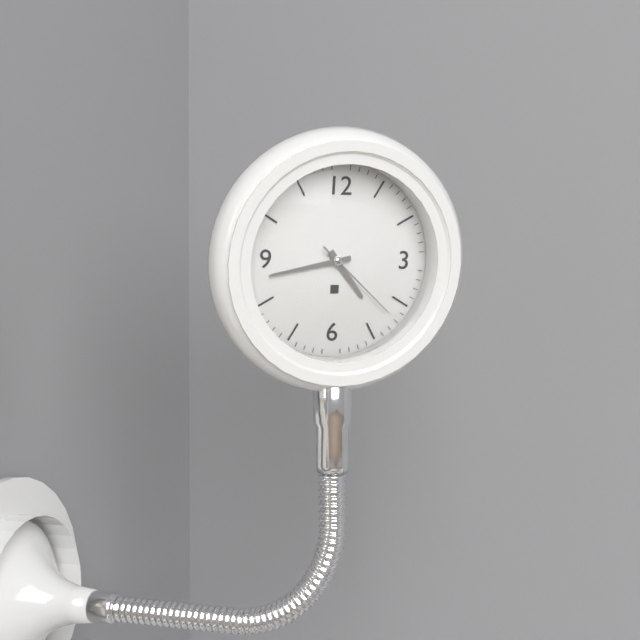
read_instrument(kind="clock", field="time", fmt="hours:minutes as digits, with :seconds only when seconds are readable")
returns 4:43:22
